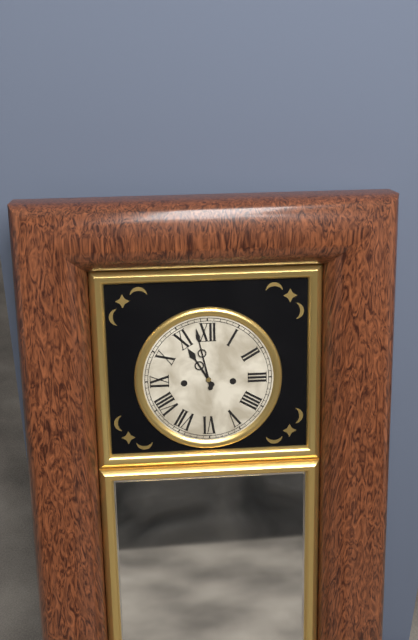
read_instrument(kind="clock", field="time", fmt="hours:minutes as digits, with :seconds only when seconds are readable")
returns 10:58
